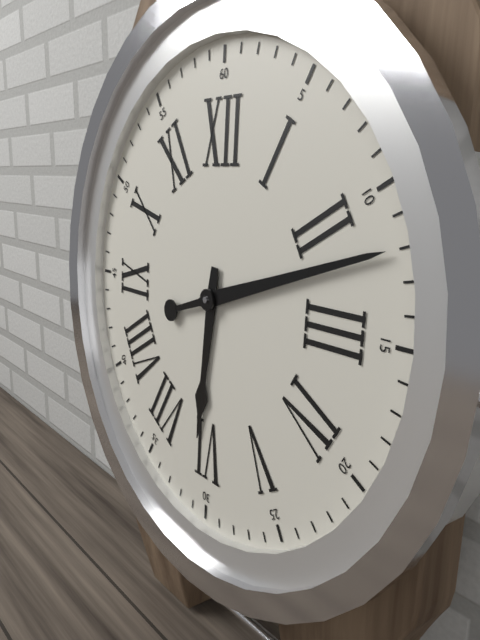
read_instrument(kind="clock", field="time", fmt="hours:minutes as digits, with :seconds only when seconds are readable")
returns 6:12
